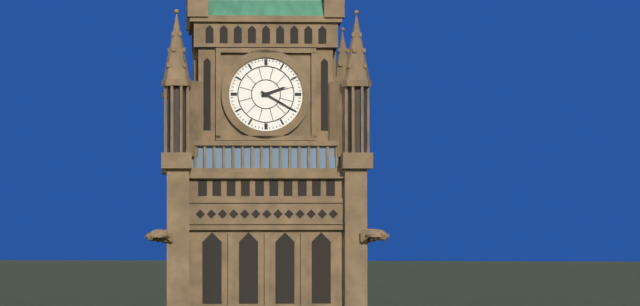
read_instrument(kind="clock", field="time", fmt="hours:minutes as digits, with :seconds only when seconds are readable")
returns 2:20
